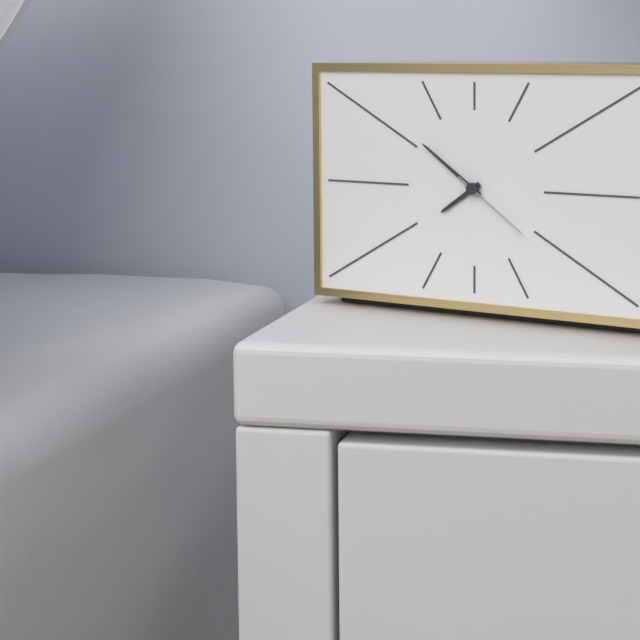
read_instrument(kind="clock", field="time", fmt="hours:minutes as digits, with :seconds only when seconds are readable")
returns 7:51:21
